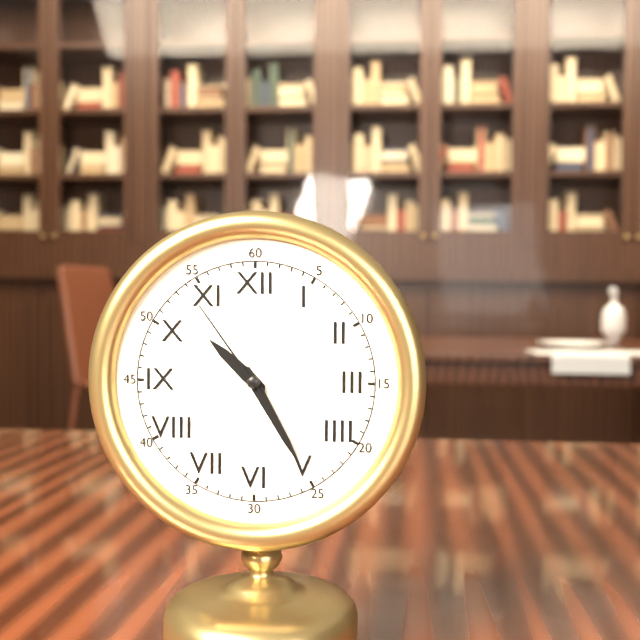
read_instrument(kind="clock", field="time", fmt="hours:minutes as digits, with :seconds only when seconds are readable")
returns 10:25:54
